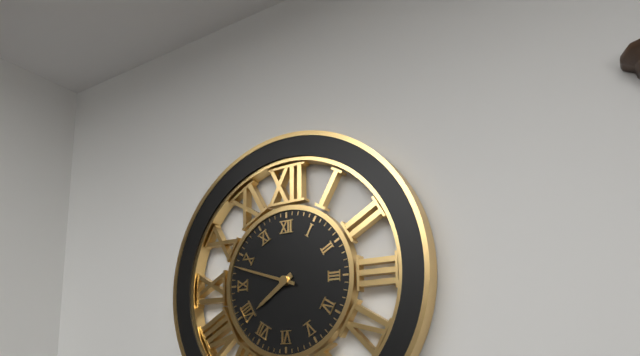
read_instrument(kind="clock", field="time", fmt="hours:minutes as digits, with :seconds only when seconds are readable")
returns 7:48
